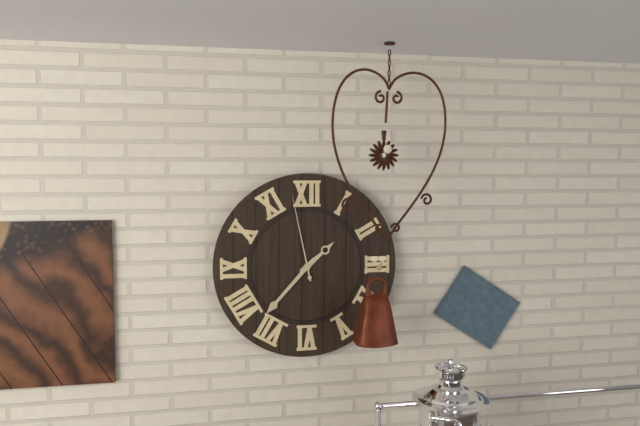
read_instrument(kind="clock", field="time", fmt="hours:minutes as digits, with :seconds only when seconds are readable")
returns 1:37:58
